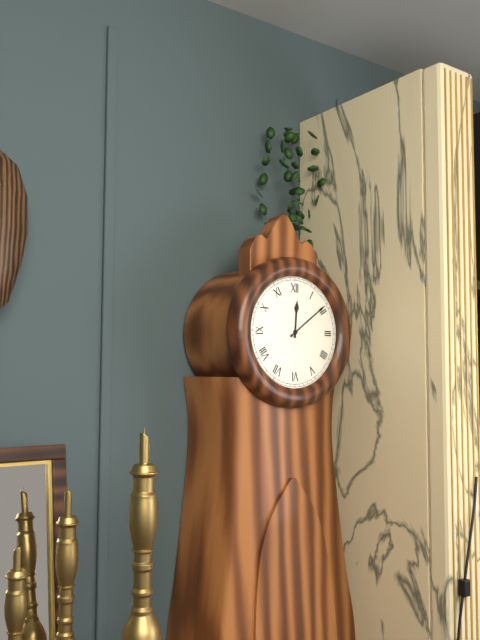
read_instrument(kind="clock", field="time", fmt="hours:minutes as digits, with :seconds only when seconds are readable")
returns 12:09
